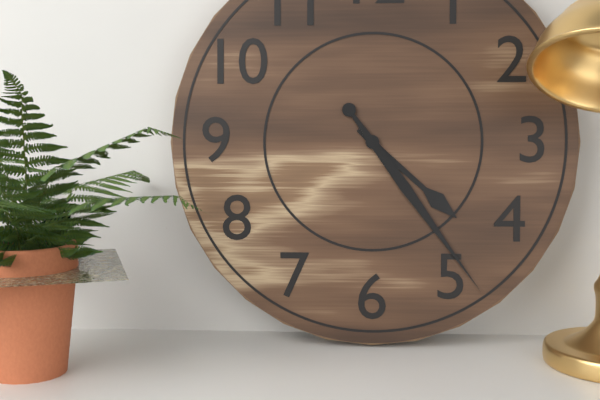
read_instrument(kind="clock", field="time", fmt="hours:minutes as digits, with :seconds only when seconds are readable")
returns 4:24
